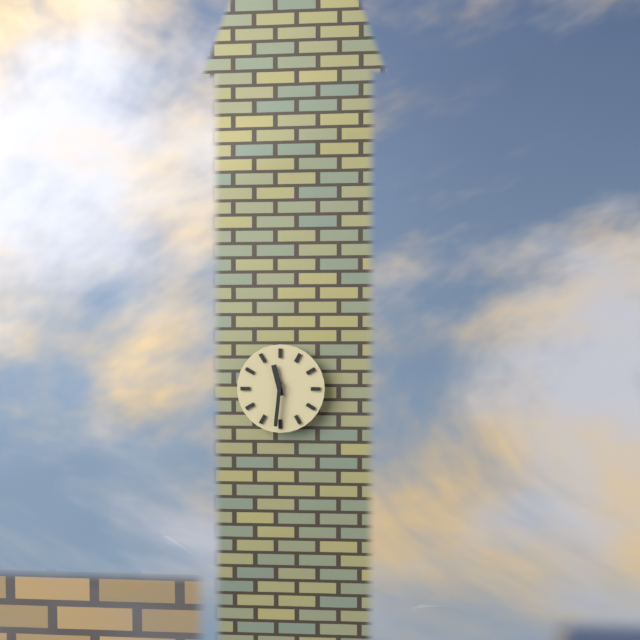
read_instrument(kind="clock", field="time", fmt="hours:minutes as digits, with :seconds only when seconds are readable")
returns 11:31
